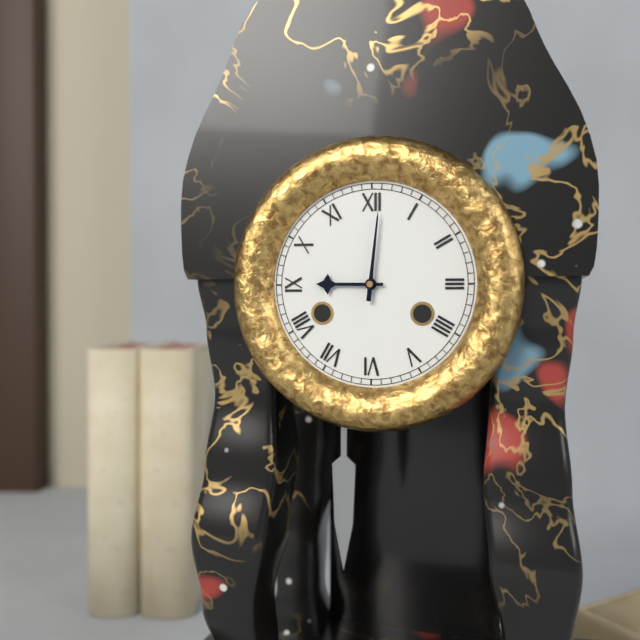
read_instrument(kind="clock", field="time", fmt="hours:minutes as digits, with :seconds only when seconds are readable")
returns 9:01
